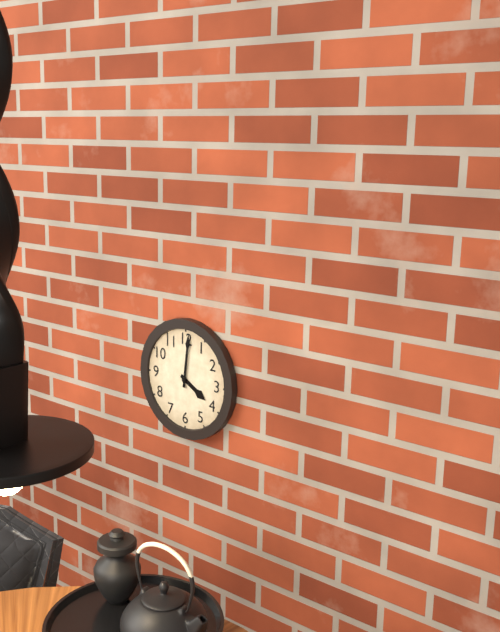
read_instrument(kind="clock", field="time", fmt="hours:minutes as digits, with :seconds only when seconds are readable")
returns 4:01
